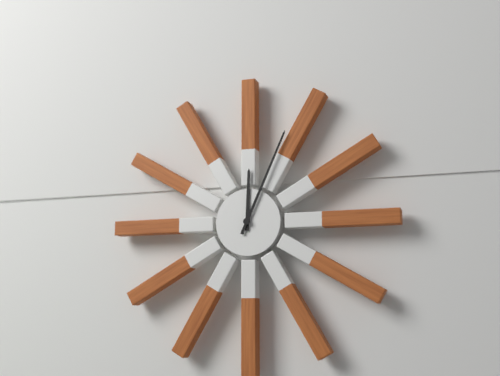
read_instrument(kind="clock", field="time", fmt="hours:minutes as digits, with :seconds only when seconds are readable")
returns 12:04
